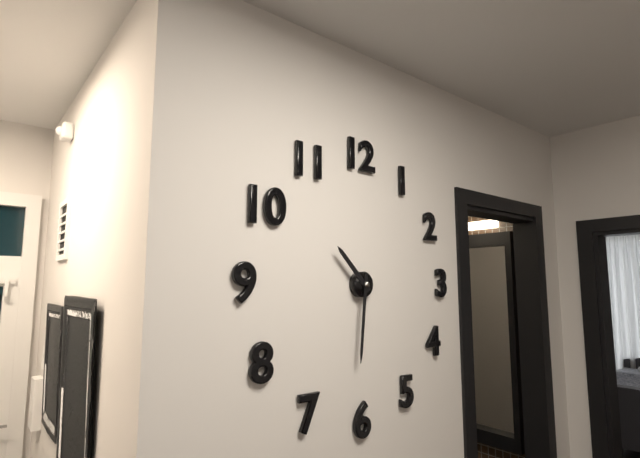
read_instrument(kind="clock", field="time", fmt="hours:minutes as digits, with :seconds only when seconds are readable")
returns 10:31
